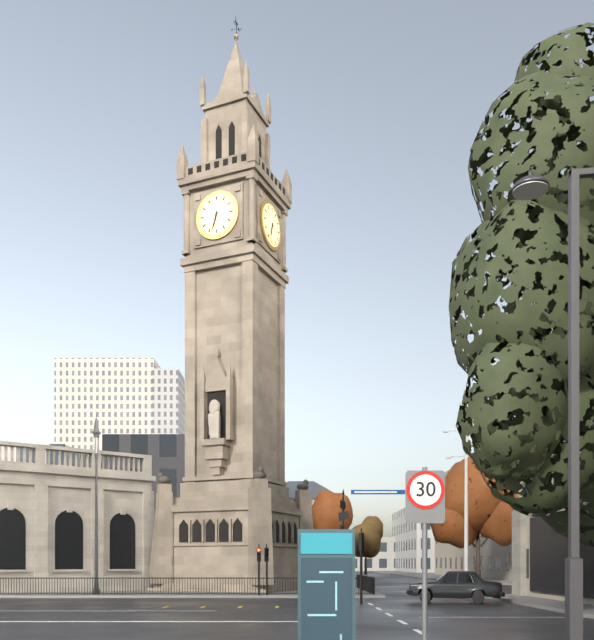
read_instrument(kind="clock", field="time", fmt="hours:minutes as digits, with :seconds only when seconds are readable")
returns 6:33
